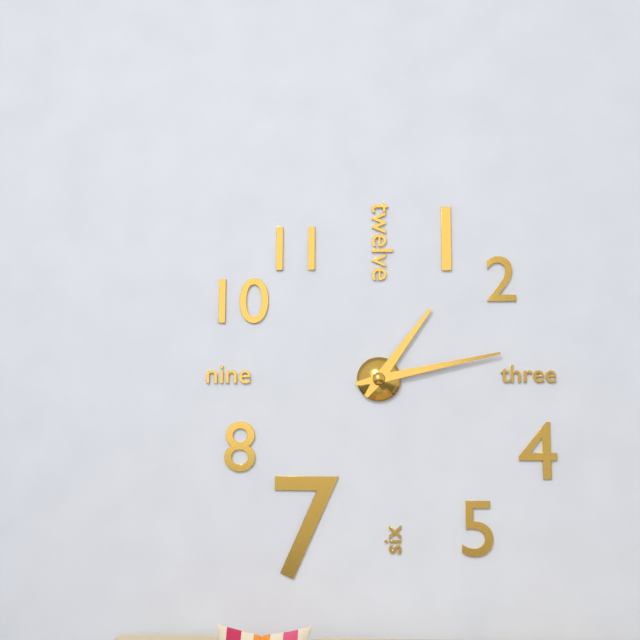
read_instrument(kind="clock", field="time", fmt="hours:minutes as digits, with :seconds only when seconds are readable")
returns 1:13
